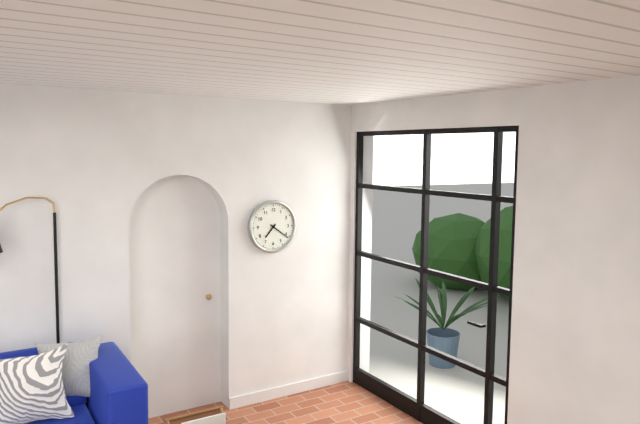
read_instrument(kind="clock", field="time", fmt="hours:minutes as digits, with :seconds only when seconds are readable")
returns 7:21
